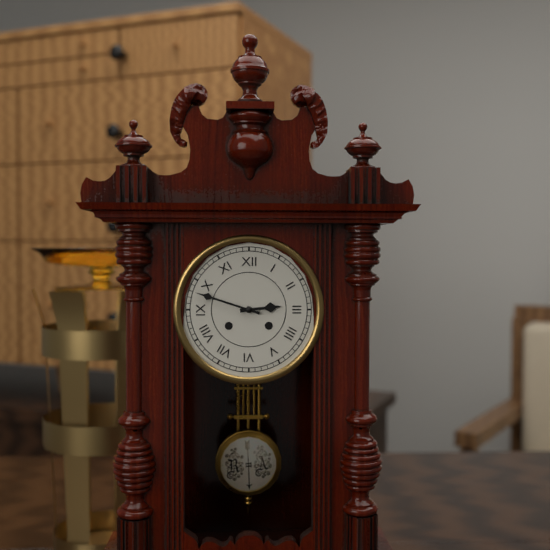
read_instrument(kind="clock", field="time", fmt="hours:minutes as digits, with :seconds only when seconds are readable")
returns 2:48
